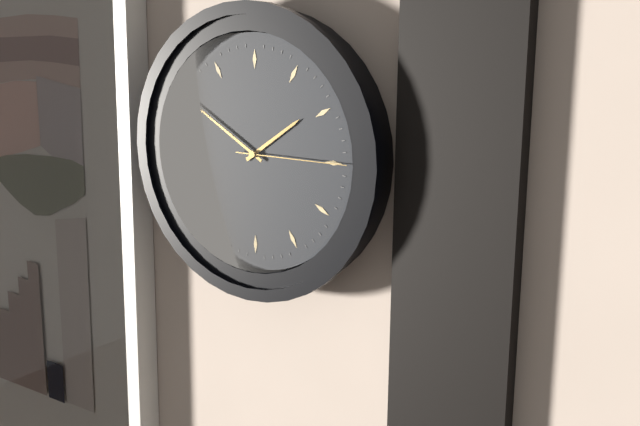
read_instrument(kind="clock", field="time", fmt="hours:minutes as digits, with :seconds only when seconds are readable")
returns 1:50:15
